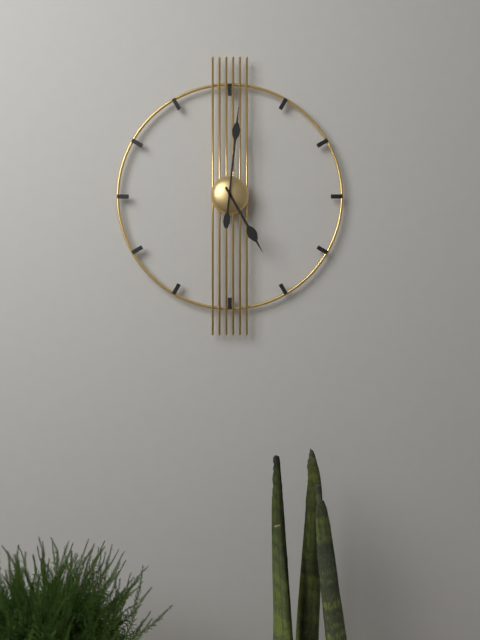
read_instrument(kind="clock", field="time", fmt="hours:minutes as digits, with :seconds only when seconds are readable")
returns 5:01
